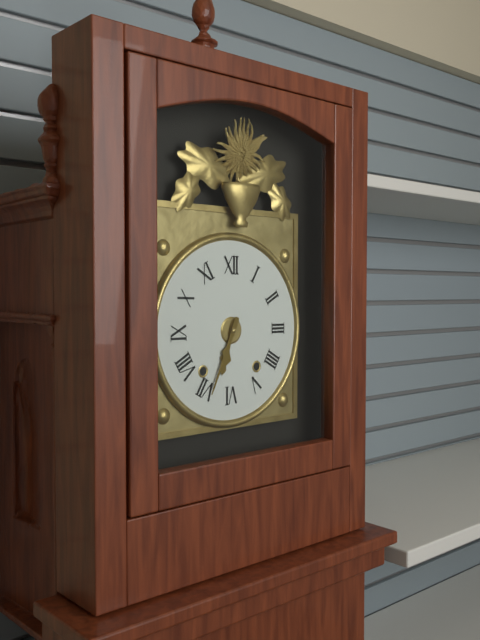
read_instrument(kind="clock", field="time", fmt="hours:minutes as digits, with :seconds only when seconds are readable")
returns 6:34
